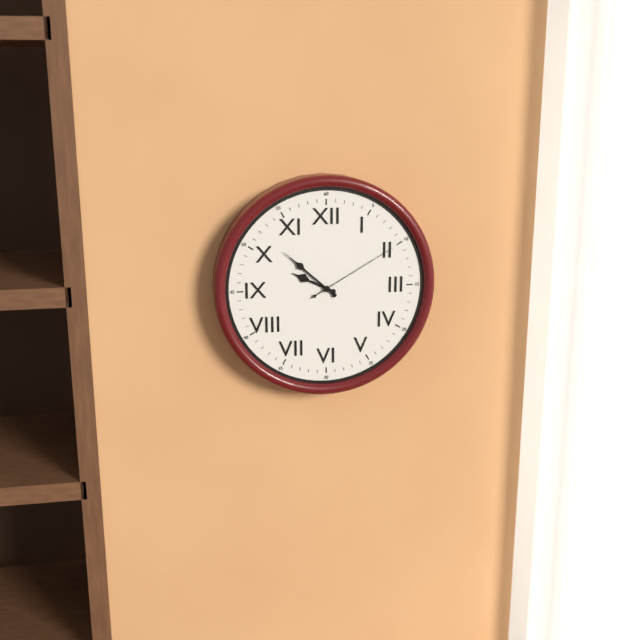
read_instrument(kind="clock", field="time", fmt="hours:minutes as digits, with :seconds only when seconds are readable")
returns 9:52:10
